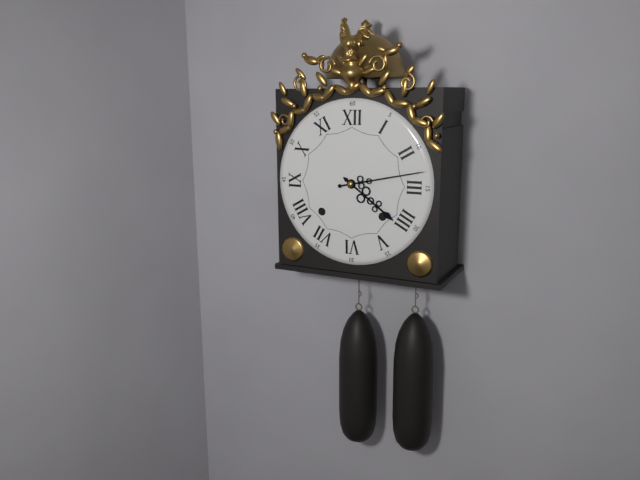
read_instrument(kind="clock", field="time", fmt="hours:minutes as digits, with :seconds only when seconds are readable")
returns 4:13
